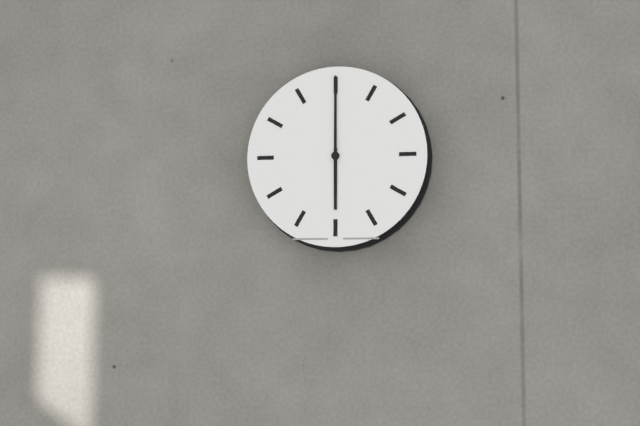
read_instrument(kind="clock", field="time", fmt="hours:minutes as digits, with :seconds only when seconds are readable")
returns 6:00
